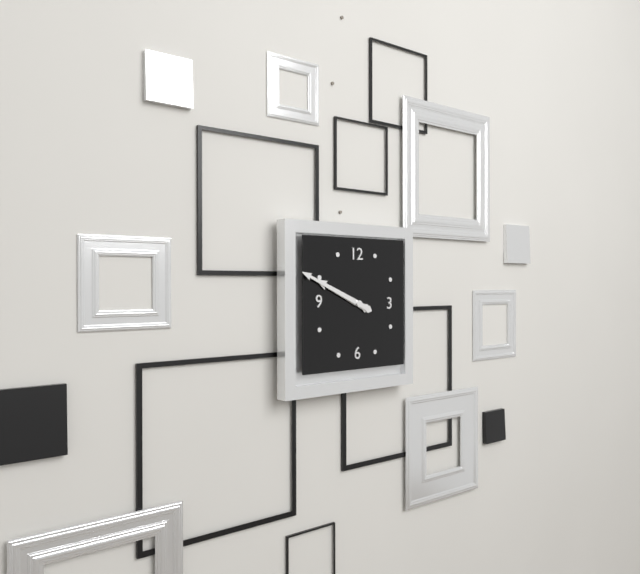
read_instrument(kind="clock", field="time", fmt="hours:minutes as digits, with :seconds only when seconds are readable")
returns 9:49
